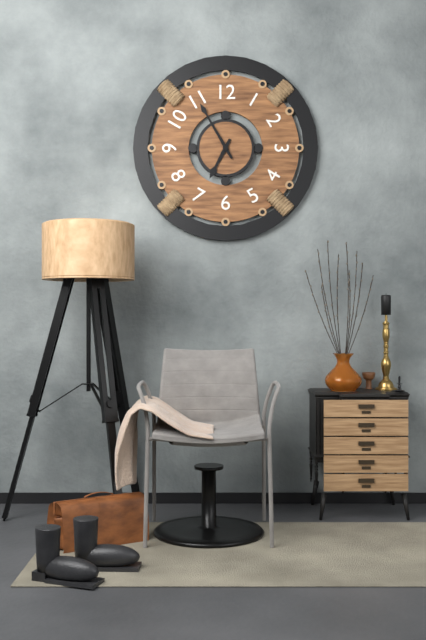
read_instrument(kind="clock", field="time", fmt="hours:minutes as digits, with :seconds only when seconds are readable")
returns 6:55
